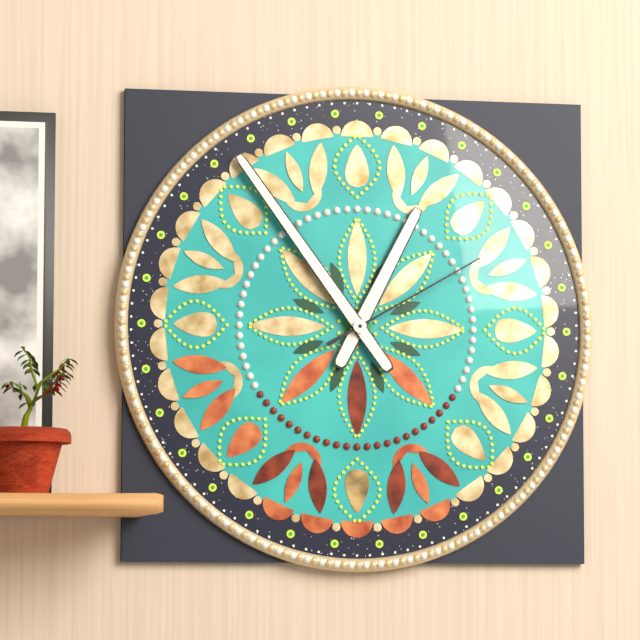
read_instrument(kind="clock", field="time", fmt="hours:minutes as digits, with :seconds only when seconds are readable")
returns 12:54:10
